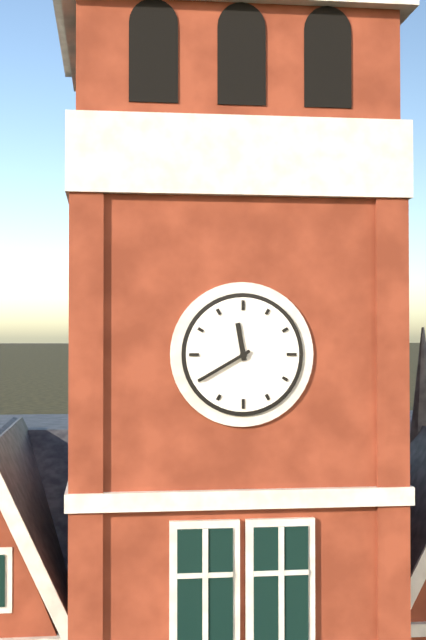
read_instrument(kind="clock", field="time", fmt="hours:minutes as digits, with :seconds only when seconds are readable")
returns 11:40
